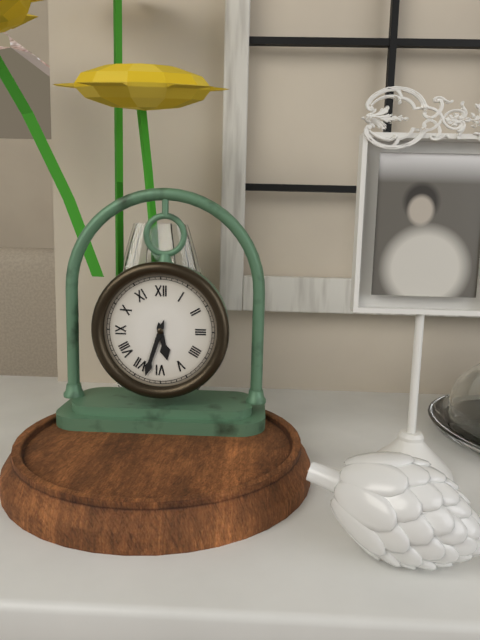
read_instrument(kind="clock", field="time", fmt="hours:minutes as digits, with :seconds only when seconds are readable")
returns 5:33
